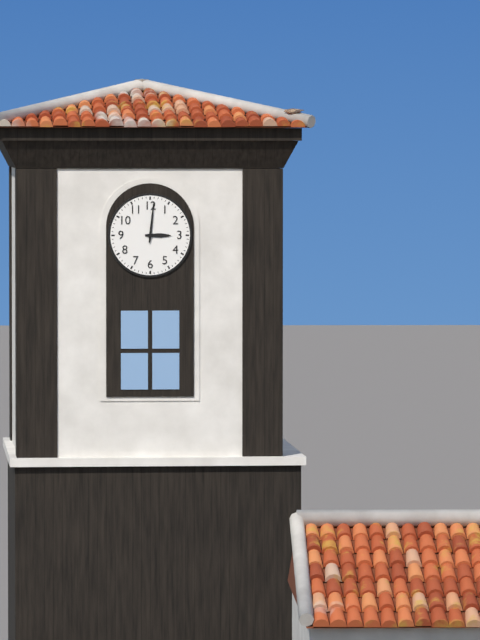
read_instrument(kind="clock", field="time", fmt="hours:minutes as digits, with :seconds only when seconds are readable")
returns 3:01
